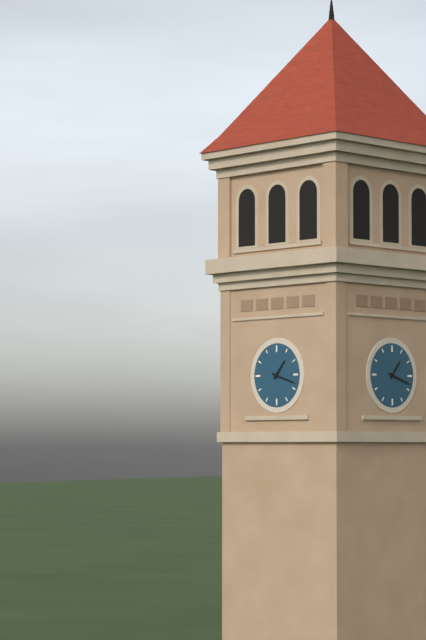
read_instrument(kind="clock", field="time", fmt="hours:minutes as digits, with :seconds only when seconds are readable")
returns 1:18
